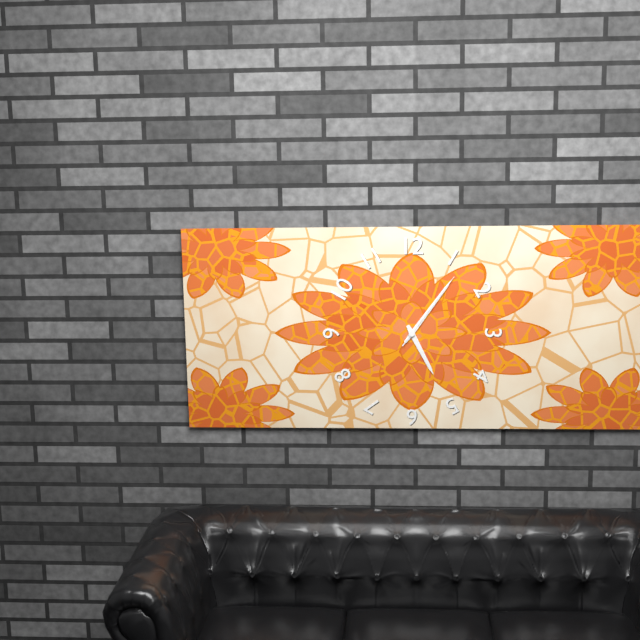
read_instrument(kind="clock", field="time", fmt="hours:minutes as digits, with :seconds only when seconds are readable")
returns 5:06:06
